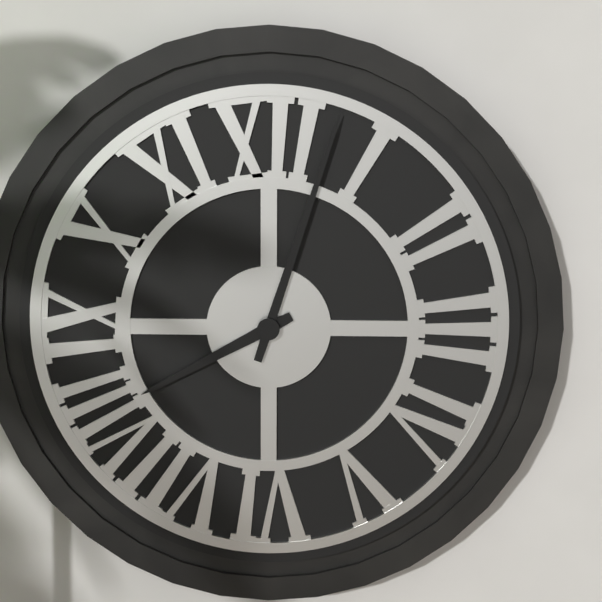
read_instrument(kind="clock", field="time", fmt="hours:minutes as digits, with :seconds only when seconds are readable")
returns 8:03
